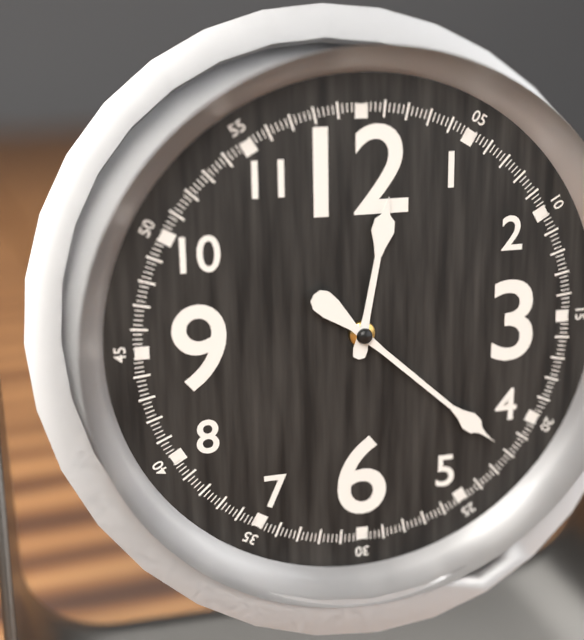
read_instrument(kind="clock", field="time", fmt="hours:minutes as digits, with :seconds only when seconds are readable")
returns 12:22
